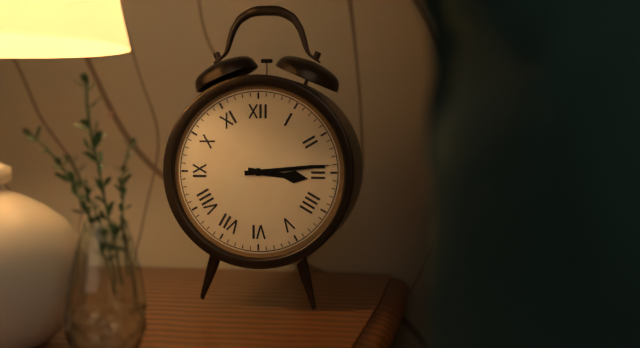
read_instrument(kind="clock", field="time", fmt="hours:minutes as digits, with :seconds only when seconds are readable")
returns 3:14
